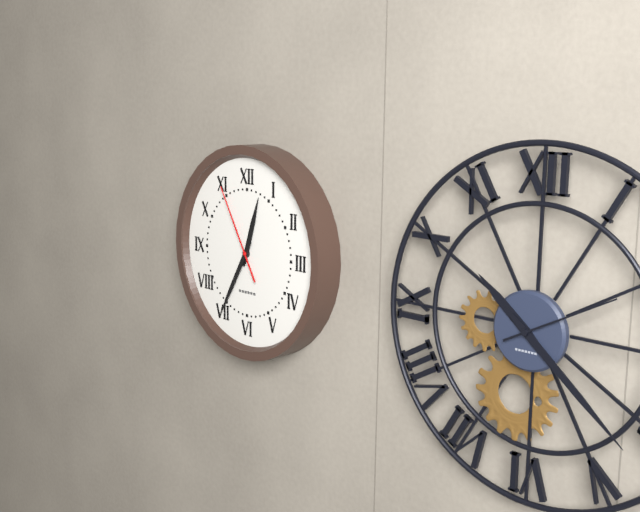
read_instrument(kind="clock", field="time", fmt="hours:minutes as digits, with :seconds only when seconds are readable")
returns 12:35:55
